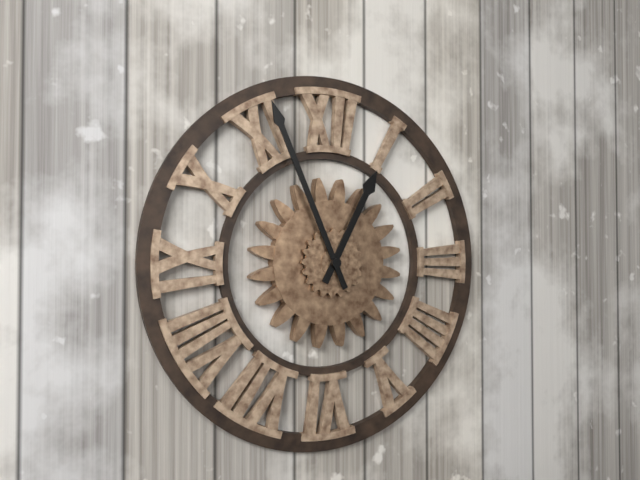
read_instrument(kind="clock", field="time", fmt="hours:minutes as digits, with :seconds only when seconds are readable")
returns 12:56
